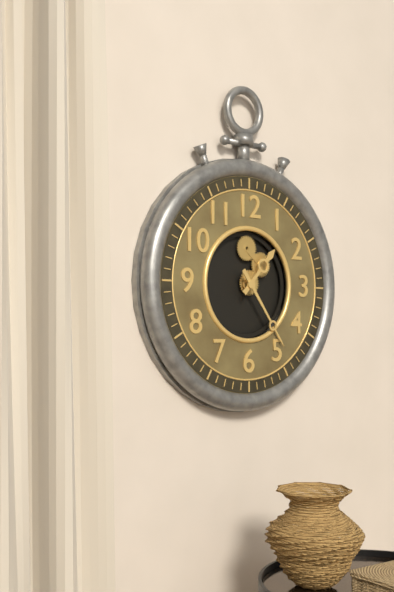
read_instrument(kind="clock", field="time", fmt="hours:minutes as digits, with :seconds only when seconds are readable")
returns 1:24
